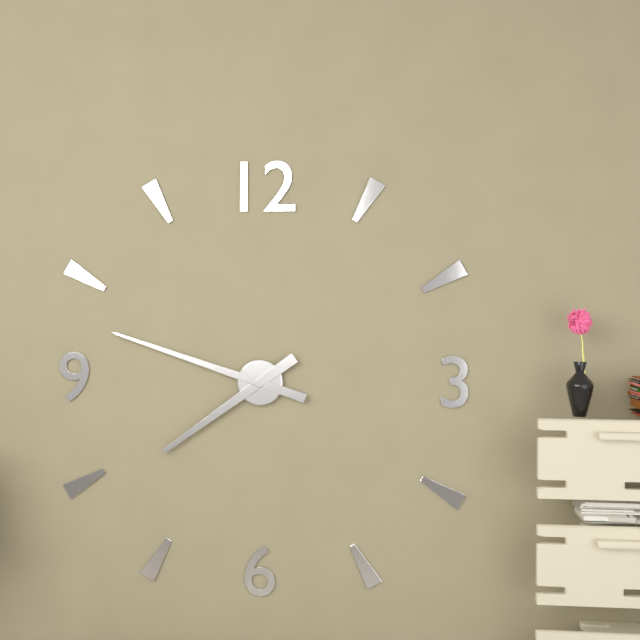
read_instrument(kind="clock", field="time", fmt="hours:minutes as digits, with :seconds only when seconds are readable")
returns 7:48
